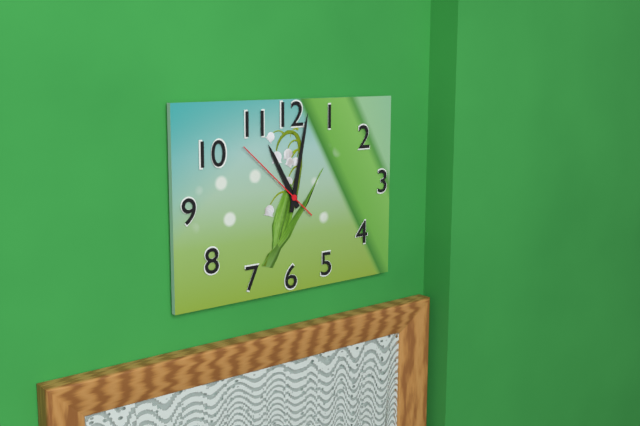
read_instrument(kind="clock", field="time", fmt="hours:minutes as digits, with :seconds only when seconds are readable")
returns 11:02:52
